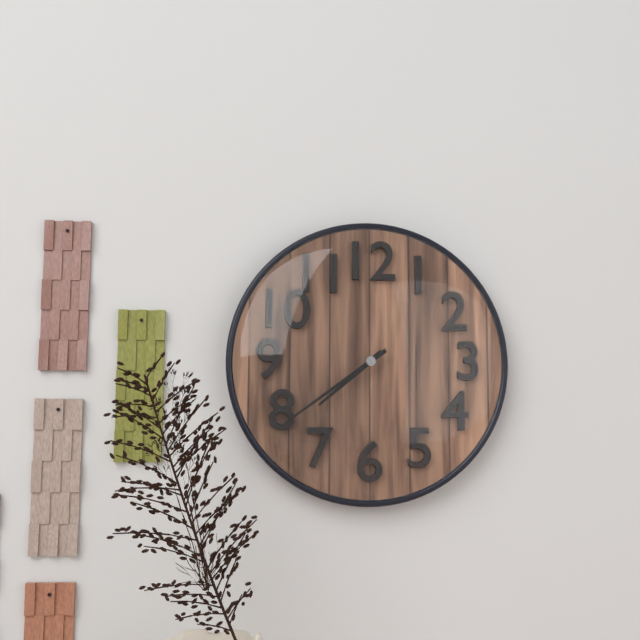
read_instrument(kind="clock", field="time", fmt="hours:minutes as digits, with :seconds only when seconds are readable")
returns 7:39
